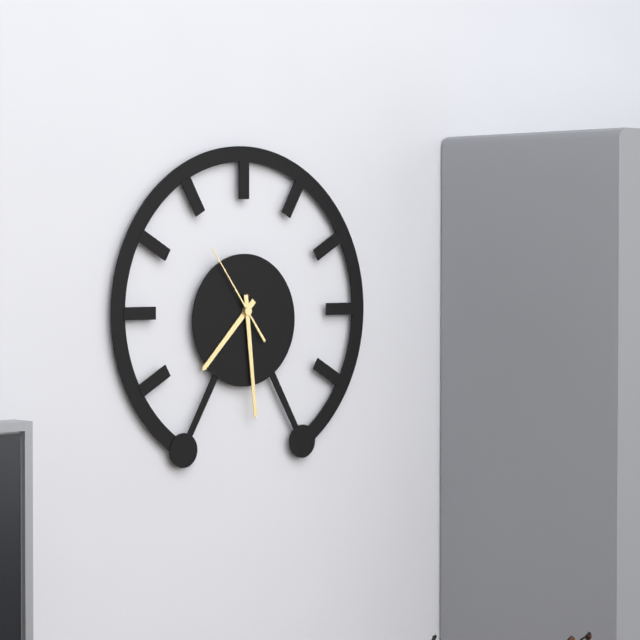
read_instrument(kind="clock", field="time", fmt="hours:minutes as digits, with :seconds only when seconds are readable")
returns 7:29:54
